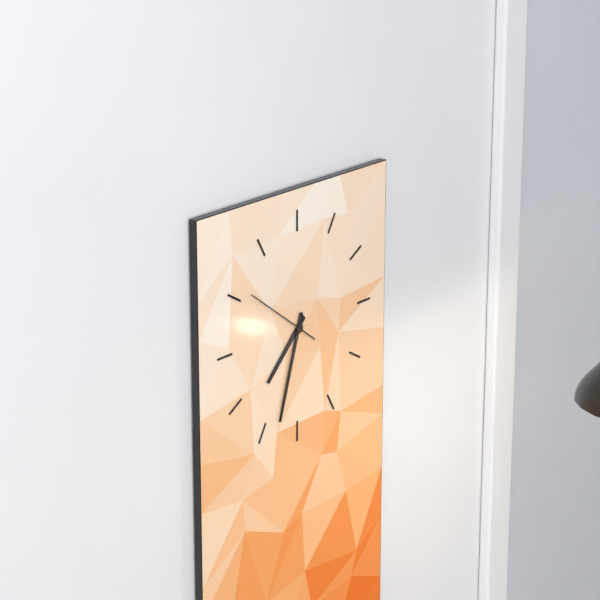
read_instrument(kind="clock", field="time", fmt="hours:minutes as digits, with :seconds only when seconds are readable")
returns 7:33:51
